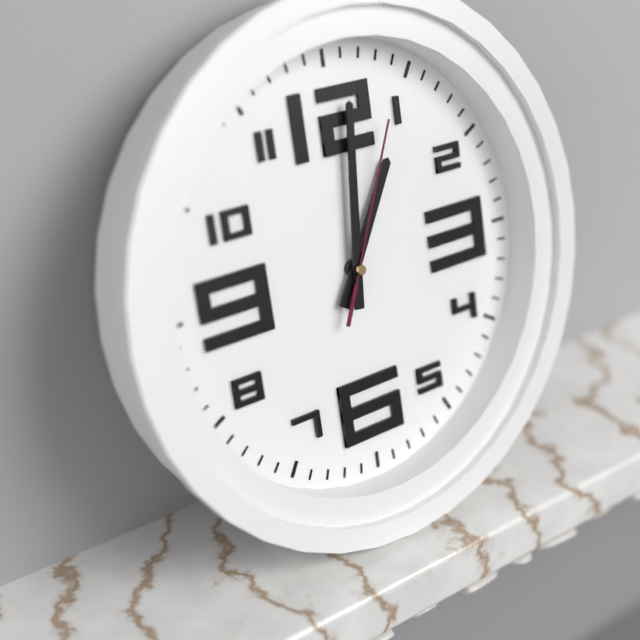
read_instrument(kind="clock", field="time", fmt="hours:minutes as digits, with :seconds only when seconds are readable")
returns 1:01:04
